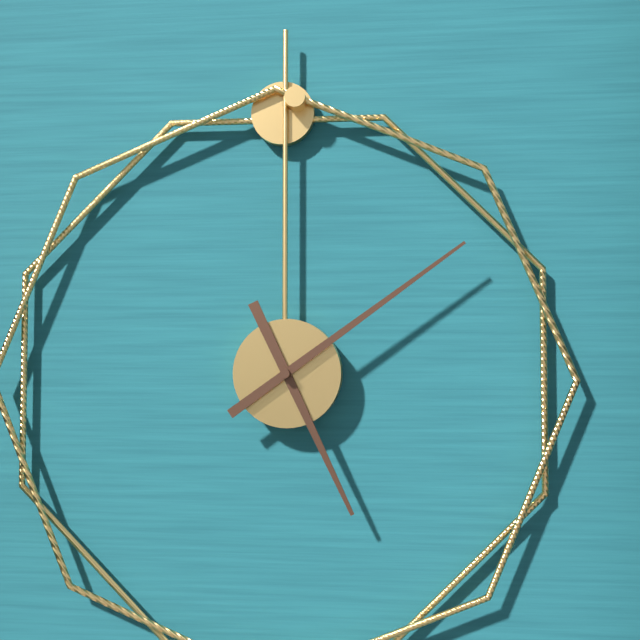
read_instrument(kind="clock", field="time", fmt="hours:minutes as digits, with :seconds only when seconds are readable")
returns 5:09
